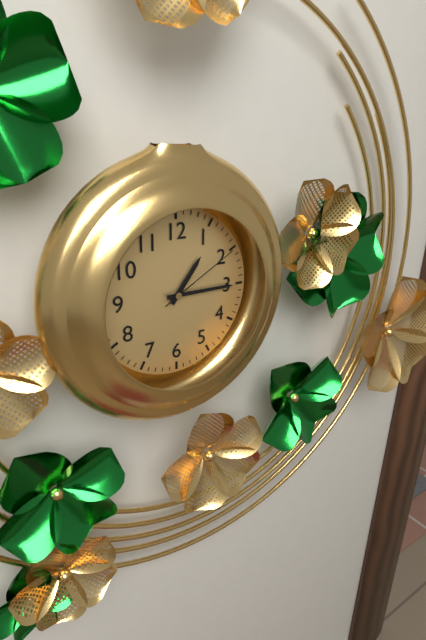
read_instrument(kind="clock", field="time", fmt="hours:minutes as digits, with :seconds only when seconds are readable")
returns 1:15:10
